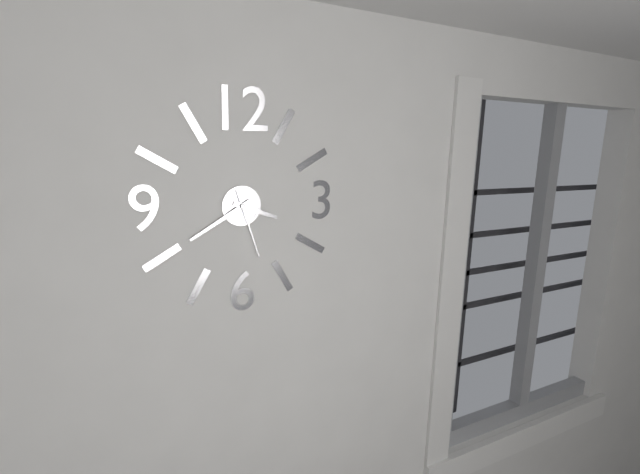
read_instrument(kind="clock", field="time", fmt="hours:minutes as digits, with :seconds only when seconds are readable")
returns 3:40:27
